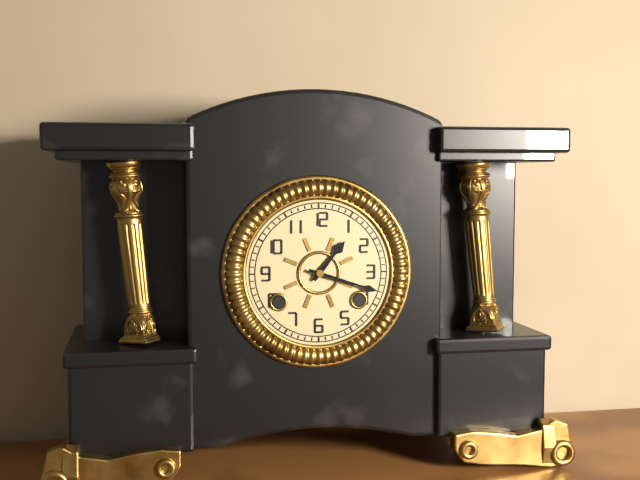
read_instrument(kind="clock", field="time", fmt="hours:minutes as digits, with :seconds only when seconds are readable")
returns 1:18
